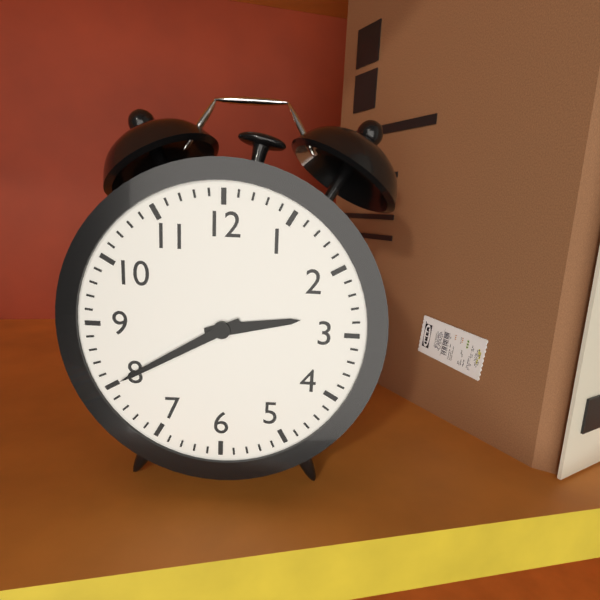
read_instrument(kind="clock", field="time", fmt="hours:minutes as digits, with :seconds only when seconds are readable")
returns 2:40
